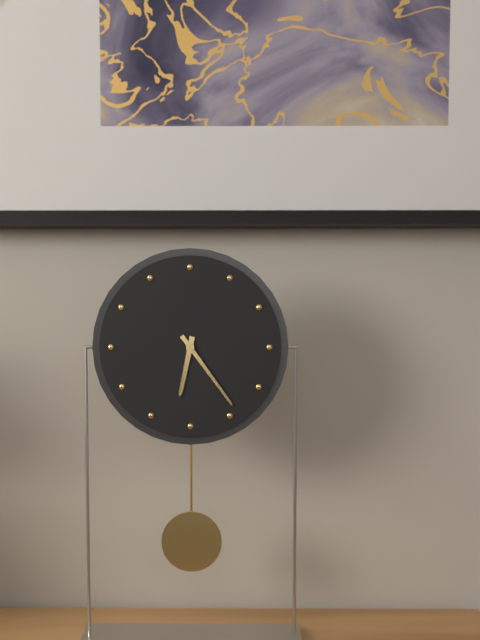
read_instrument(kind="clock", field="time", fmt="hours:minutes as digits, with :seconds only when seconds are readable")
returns 6:24
